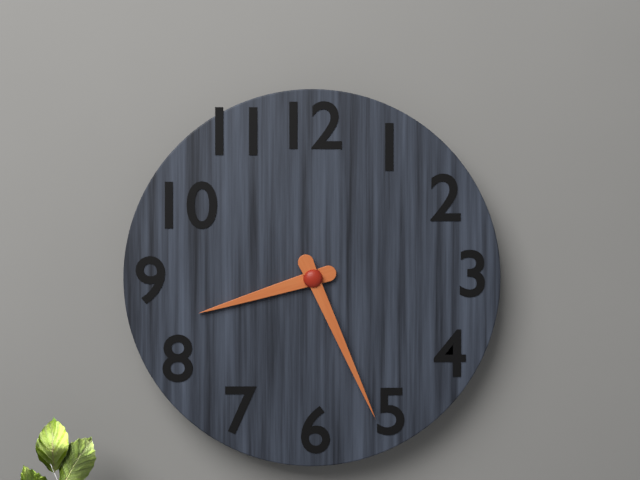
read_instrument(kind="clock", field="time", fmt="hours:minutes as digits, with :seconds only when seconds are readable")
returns 8:26
